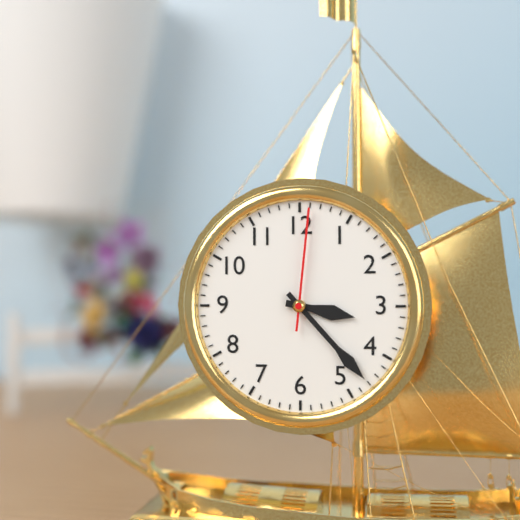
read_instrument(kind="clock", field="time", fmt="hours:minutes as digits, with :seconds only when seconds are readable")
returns 3:23:01
